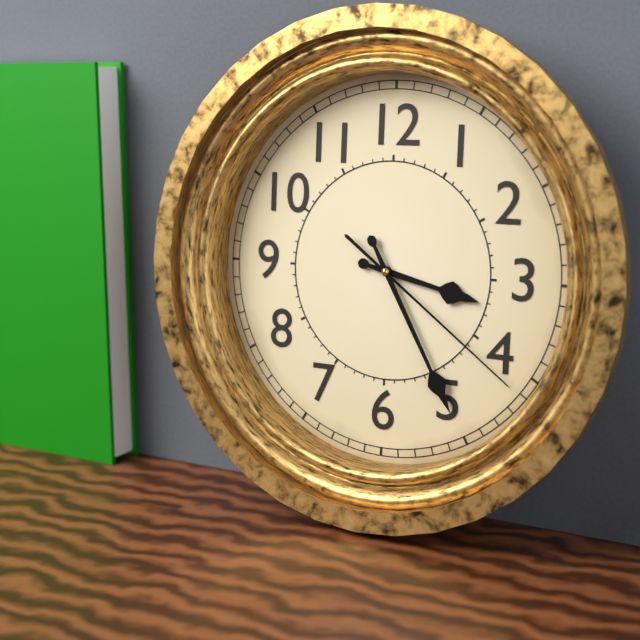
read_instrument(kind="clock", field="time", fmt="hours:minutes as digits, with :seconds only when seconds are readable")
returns 3:25:21
